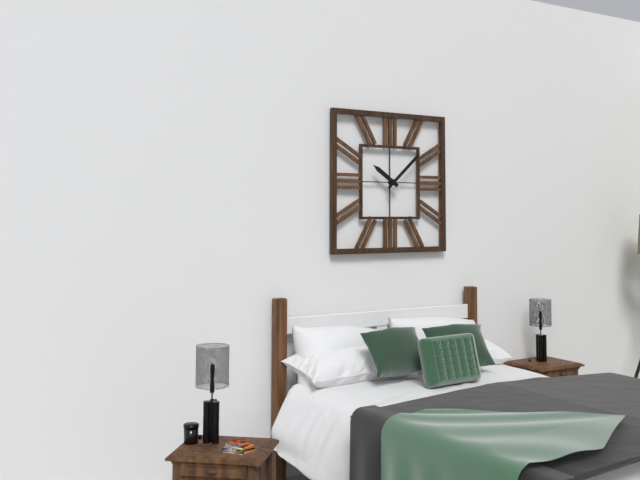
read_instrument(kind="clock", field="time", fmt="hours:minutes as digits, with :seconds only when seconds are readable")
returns 10:08
